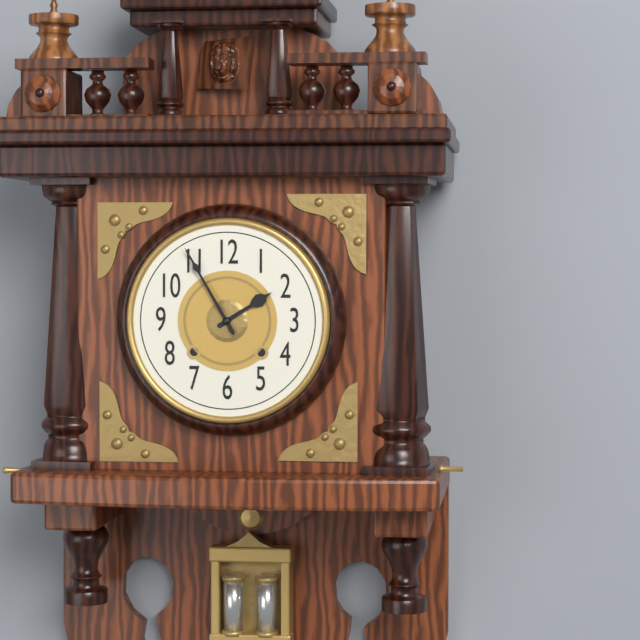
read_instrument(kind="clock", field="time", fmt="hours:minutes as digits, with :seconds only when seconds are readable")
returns 1:55
